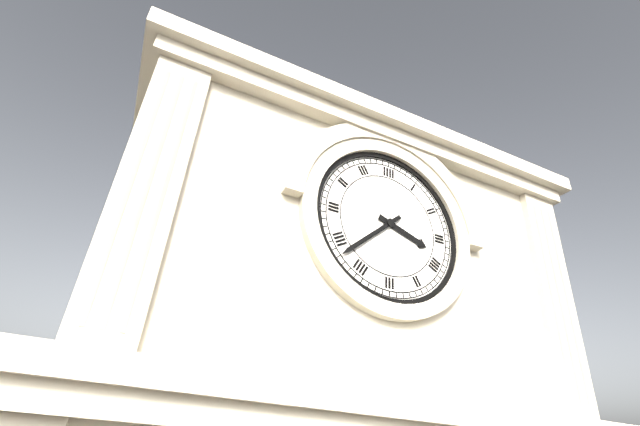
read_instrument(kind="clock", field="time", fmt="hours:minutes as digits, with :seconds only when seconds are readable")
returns 3:38
